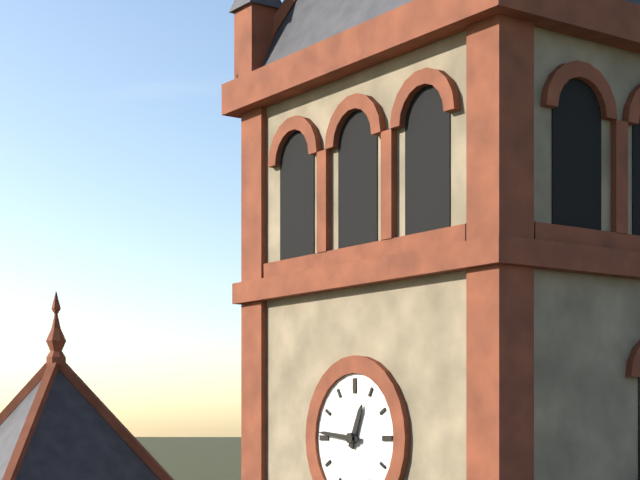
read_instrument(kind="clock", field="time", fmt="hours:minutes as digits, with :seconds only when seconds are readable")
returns 12:46
